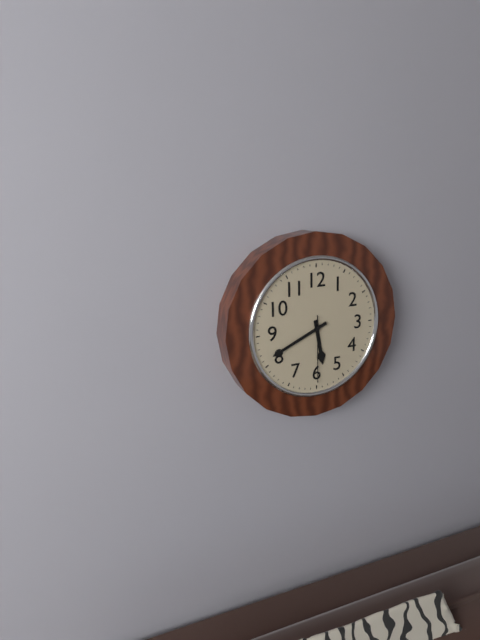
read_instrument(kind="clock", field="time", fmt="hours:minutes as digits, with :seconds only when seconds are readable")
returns 5:41:30
